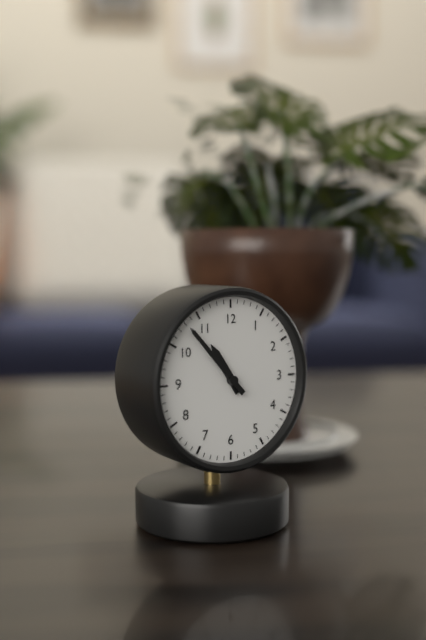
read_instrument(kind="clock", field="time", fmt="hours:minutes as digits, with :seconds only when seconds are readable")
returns 10:53
